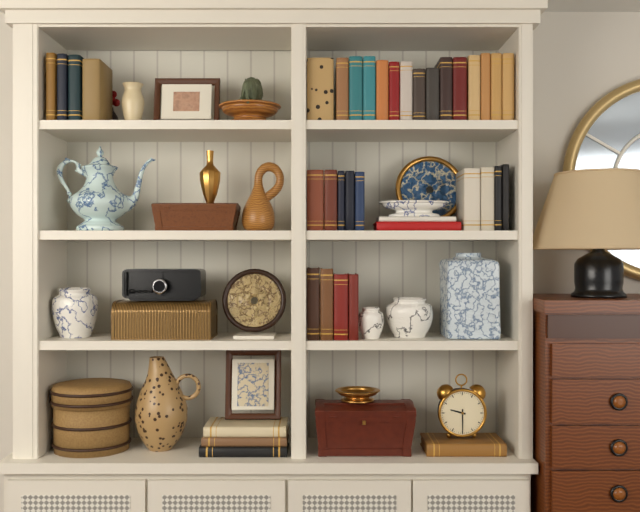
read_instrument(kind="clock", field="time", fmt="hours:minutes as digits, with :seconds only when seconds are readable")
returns 9:30
